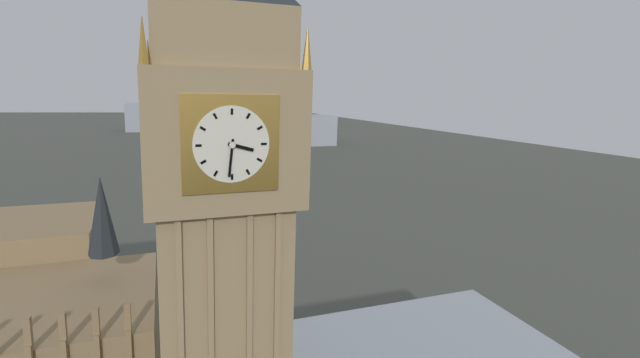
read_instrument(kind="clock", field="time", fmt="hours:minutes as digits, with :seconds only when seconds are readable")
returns 3:31
